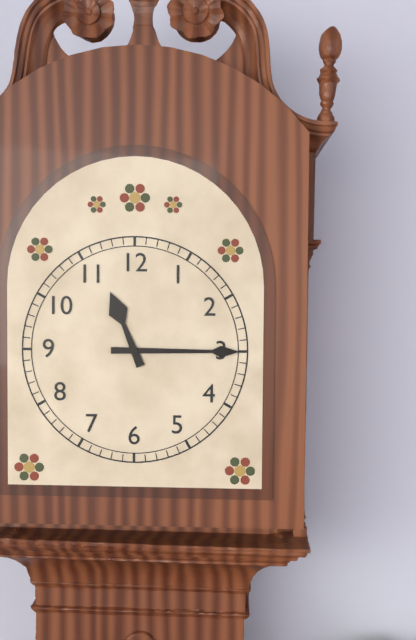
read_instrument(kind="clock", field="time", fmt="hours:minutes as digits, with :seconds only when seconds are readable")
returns 11:15
